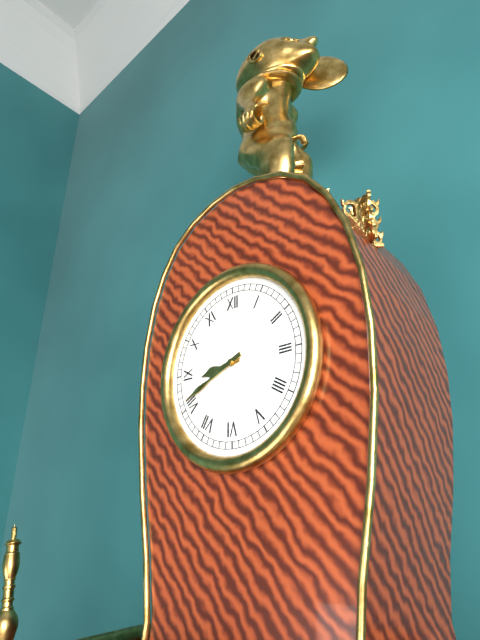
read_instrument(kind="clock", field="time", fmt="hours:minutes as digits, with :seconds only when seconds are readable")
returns 8:41
